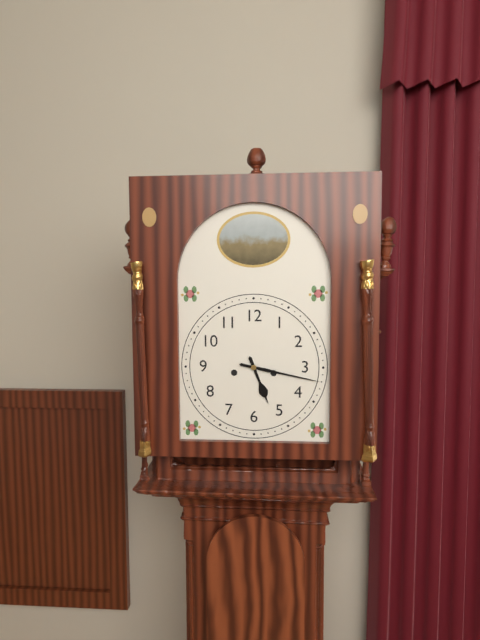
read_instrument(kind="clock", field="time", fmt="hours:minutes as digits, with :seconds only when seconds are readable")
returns 5:17
